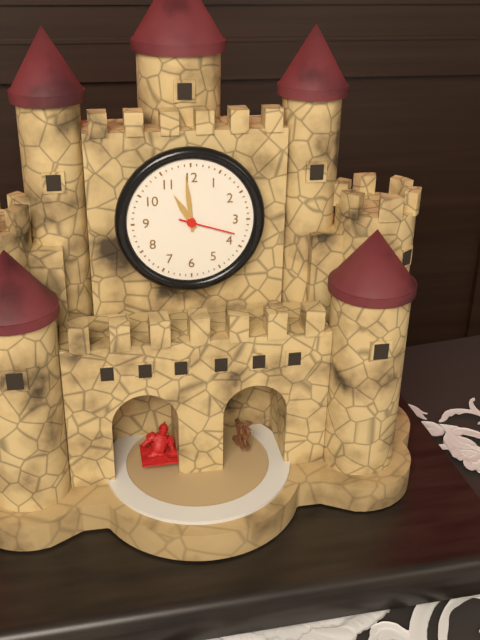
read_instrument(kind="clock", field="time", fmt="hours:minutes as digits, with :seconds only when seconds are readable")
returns 10:59
